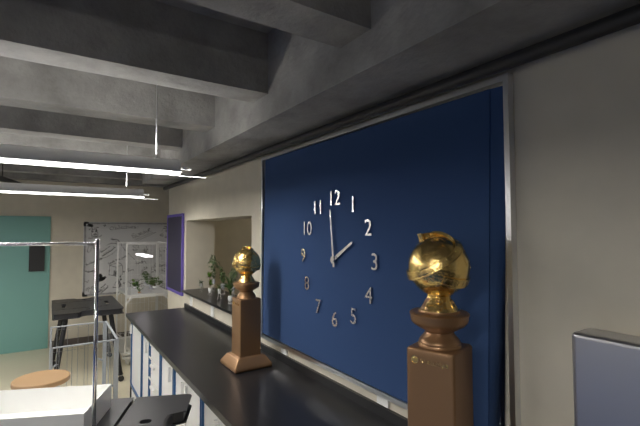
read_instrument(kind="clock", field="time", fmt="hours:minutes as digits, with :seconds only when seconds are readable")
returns 1:59
